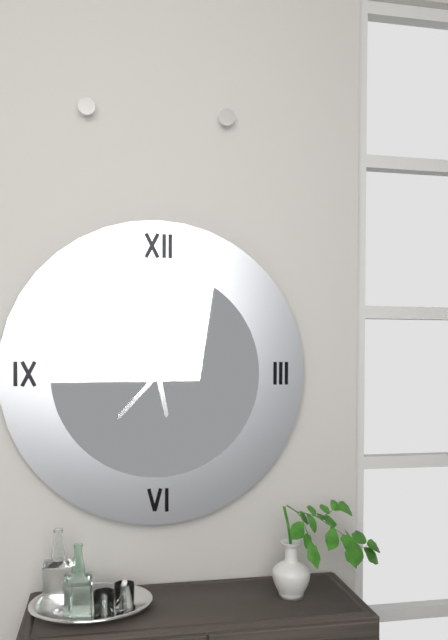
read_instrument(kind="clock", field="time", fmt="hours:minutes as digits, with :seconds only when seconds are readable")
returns 5:37
